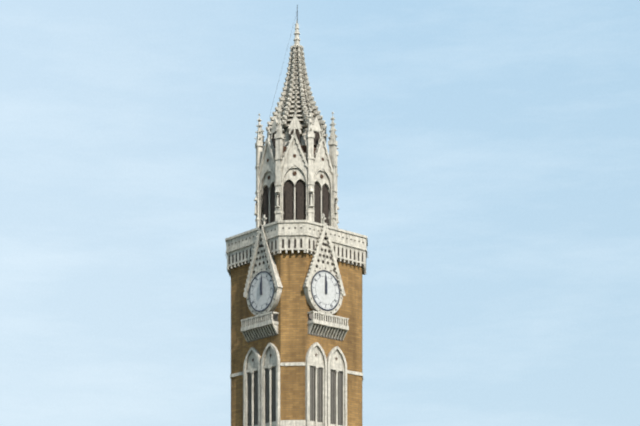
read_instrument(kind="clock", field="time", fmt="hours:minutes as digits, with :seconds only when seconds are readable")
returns 12:00
